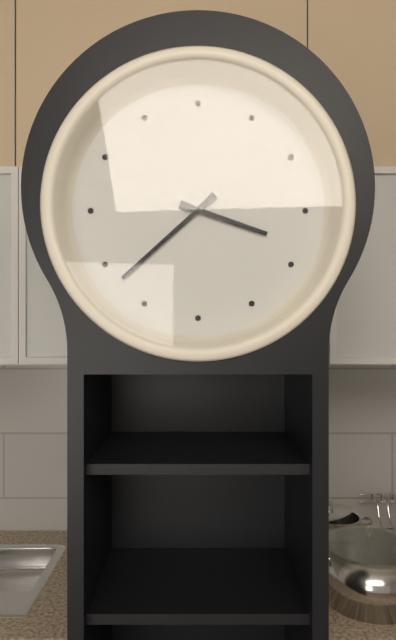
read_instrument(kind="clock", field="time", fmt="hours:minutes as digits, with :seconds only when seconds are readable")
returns 3:38
